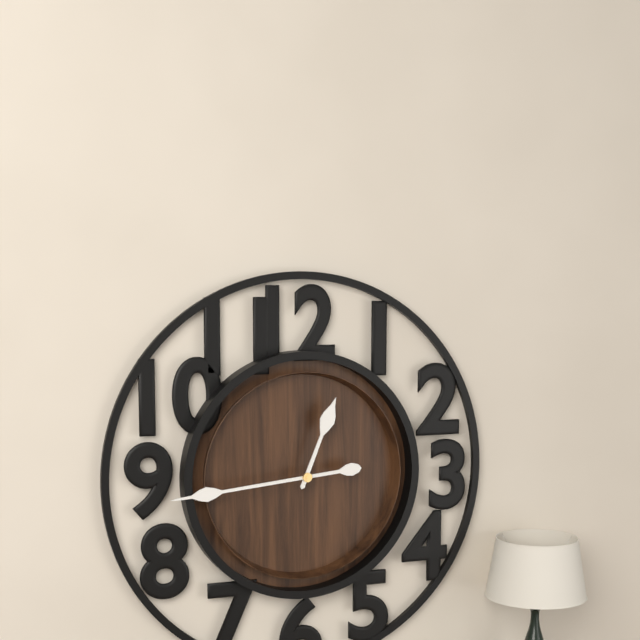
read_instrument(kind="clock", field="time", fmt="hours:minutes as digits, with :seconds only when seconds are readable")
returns 12:44
